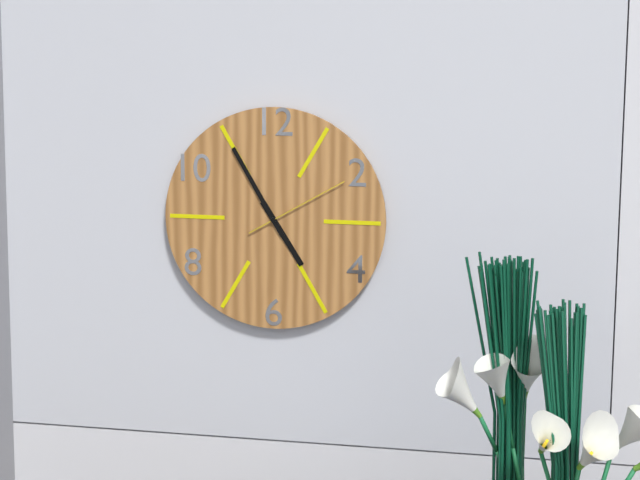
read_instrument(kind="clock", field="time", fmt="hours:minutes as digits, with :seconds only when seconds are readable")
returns 4:55:10
